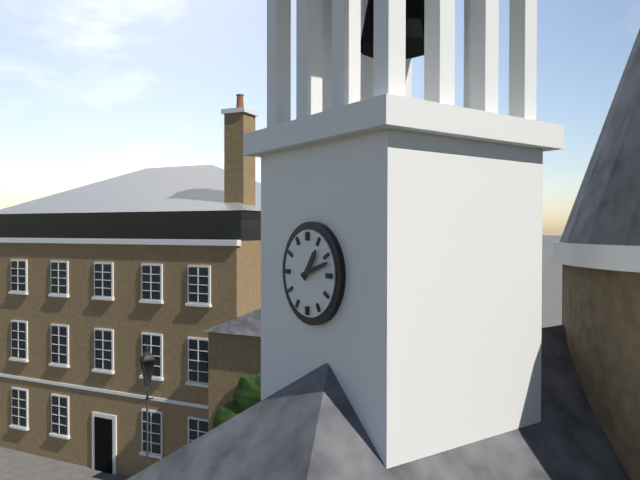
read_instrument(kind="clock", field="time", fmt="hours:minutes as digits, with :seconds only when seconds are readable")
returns 1:12
